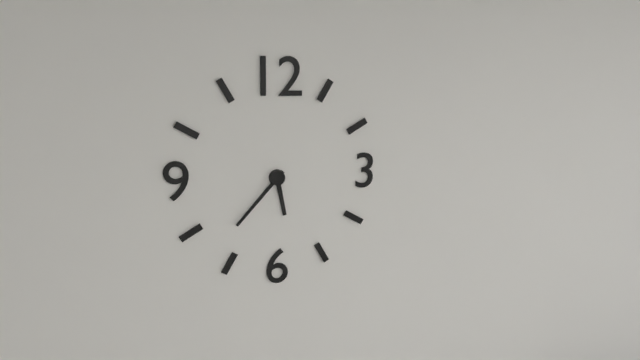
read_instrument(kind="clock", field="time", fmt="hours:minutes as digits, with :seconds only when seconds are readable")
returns 5:37
